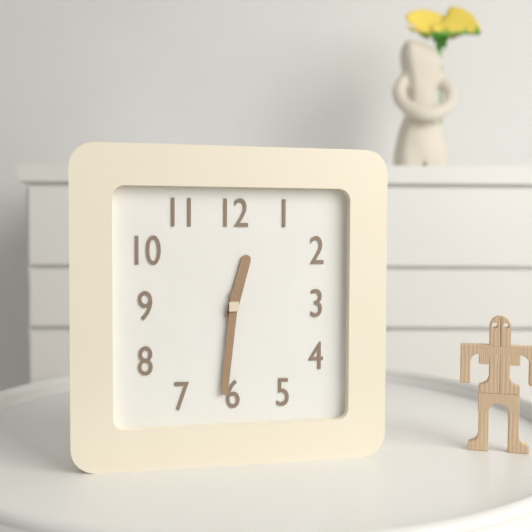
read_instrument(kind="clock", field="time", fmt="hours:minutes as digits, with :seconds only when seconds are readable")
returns 12:31
